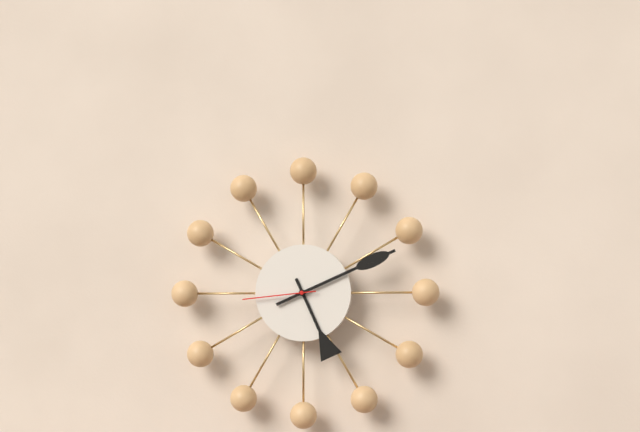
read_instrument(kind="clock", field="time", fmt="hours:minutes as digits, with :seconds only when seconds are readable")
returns 5:11:44
